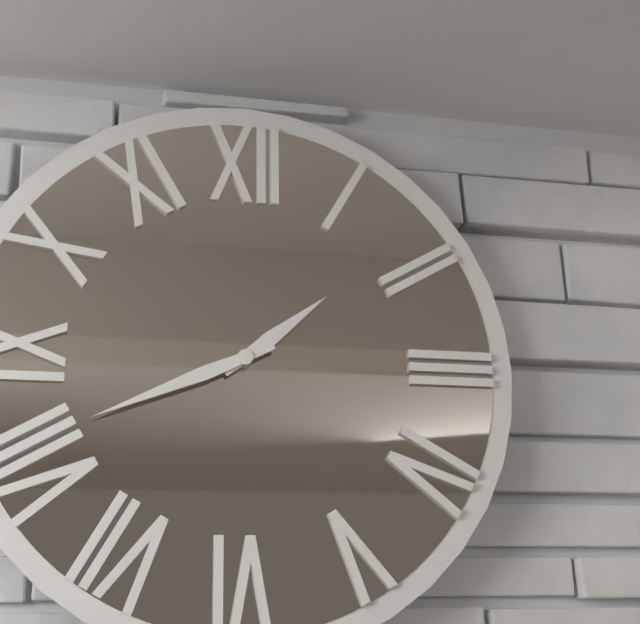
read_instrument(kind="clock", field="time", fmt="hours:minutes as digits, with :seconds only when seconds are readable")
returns 1:41
